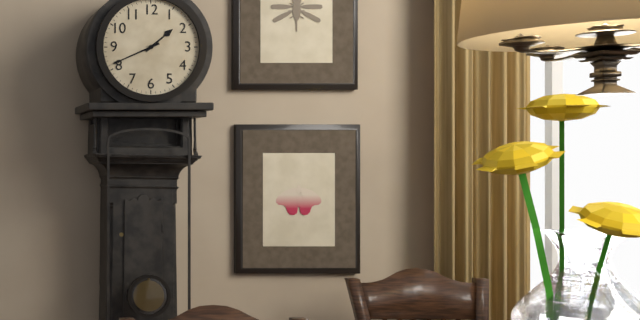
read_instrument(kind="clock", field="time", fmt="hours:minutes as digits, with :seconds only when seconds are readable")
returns 1:41
